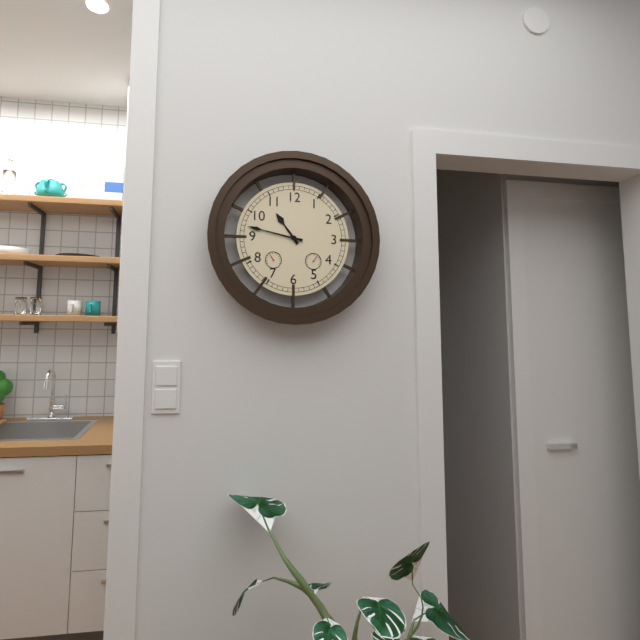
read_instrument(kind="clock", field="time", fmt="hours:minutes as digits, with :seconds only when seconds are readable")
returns 10:47
